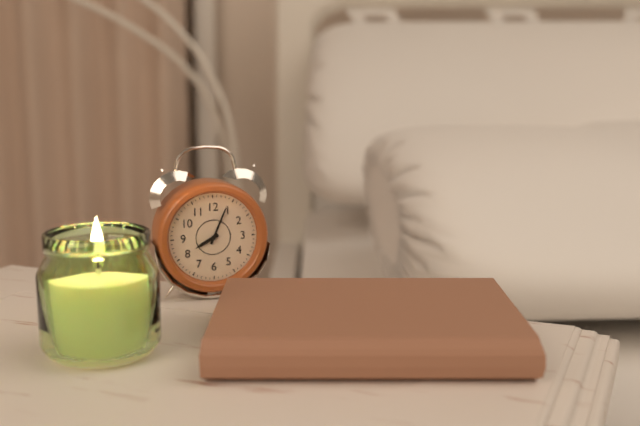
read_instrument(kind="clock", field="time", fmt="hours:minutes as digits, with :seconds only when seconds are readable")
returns 8:04
